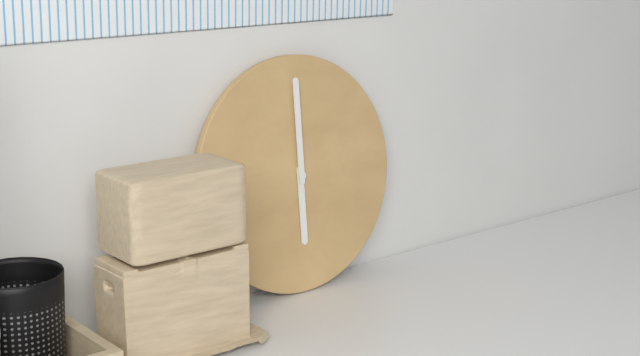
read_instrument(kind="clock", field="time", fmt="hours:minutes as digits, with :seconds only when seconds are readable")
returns 6:00
